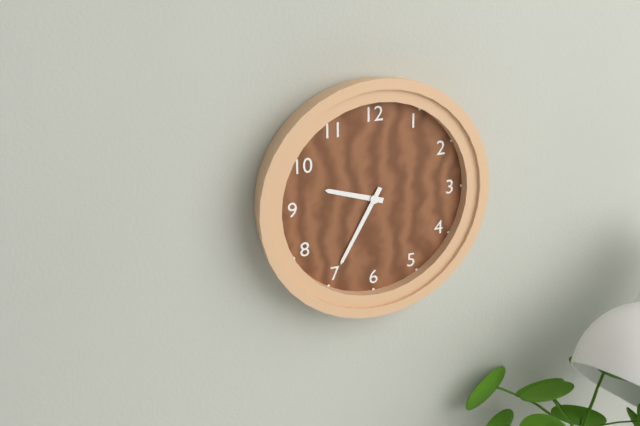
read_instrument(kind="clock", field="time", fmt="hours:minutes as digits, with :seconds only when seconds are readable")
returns 9:35
